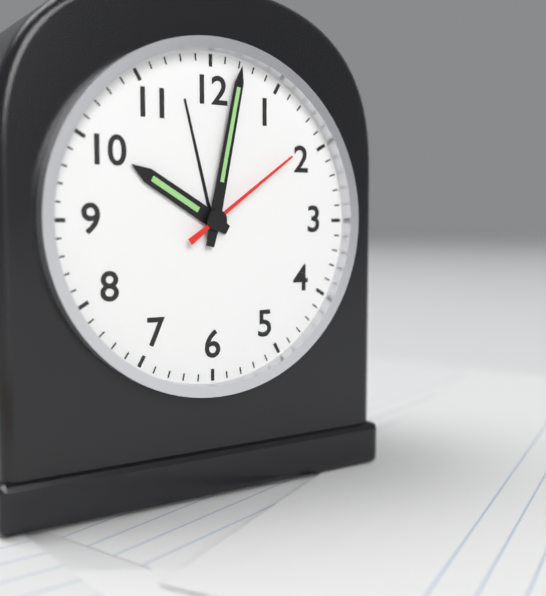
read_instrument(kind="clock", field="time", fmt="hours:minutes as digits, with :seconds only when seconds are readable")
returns 10:02:09
